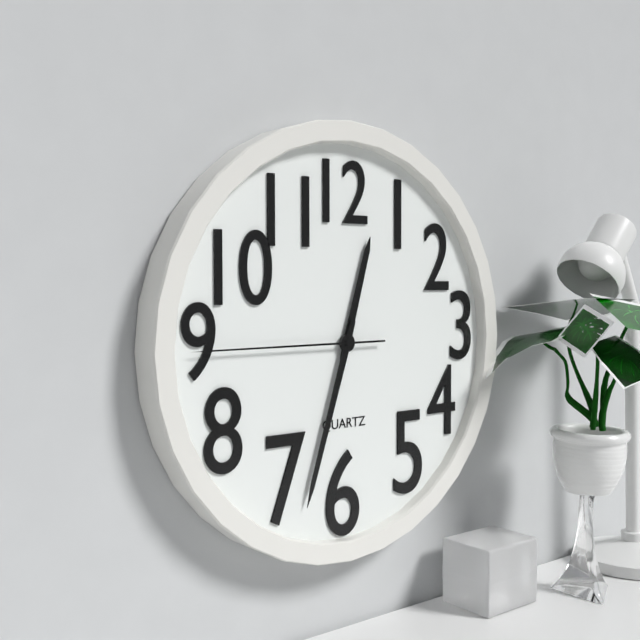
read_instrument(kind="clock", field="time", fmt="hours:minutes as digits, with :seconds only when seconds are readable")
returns 12:33:45
